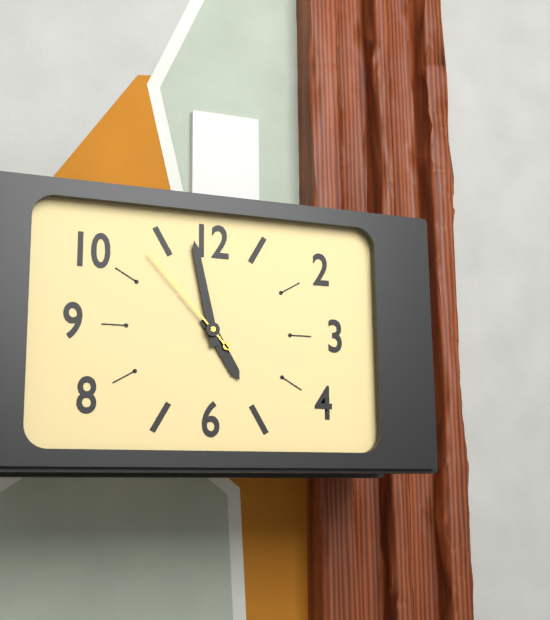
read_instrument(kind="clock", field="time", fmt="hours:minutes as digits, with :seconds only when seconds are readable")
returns 4:58:53
